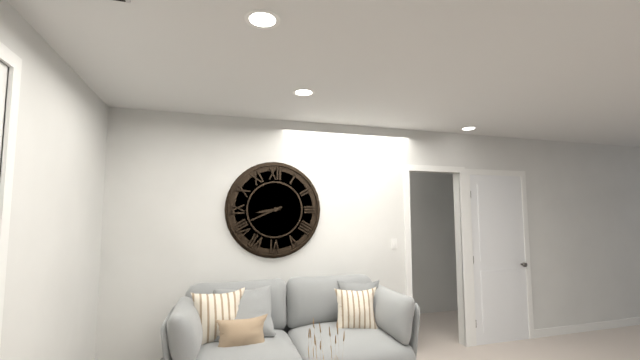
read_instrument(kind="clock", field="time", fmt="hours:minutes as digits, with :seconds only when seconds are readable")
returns 8:41
